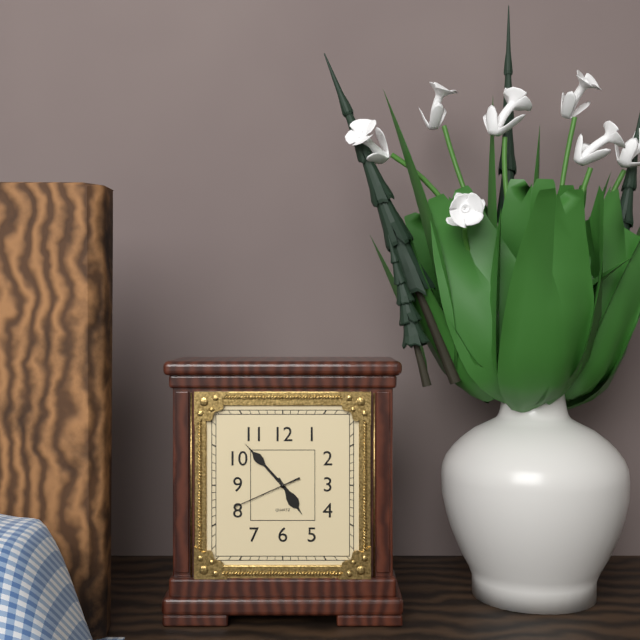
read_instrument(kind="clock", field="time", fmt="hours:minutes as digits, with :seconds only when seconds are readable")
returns 4:53:41
